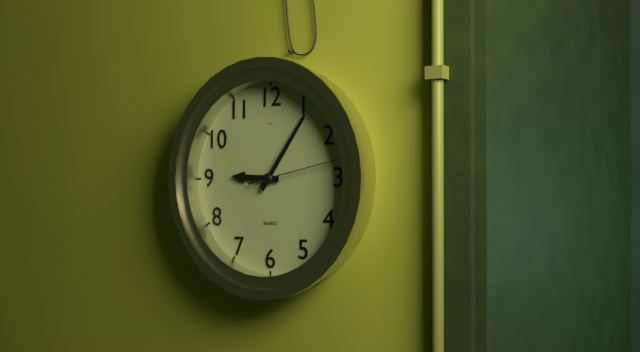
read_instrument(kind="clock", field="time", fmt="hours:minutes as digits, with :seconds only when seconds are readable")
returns 9:06:13
